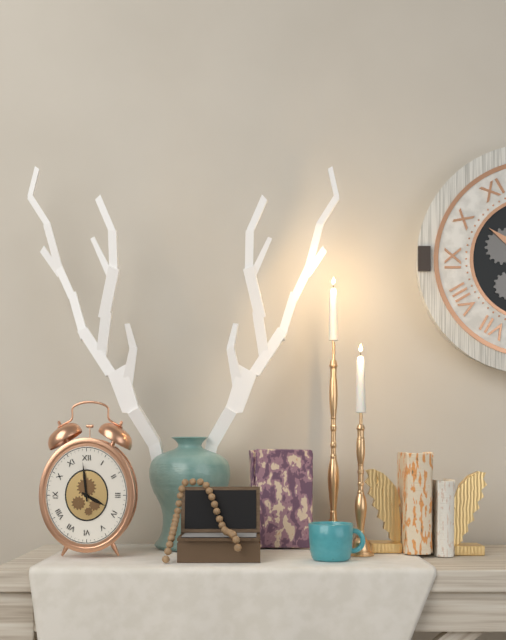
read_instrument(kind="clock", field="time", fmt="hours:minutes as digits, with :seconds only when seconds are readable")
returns 3:59
